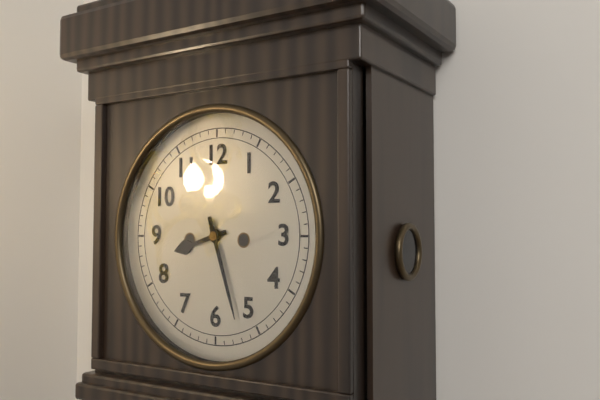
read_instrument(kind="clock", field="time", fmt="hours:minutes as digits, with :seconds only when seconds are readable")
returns 8:27
